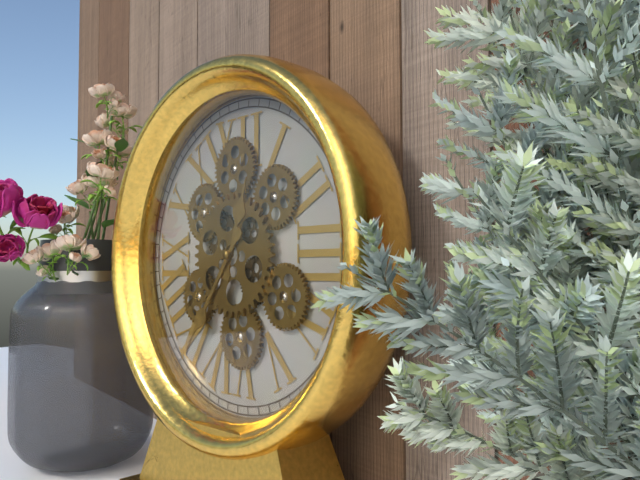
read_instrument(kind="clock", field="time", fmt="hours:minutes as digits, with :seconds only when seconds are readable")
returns 12:36
